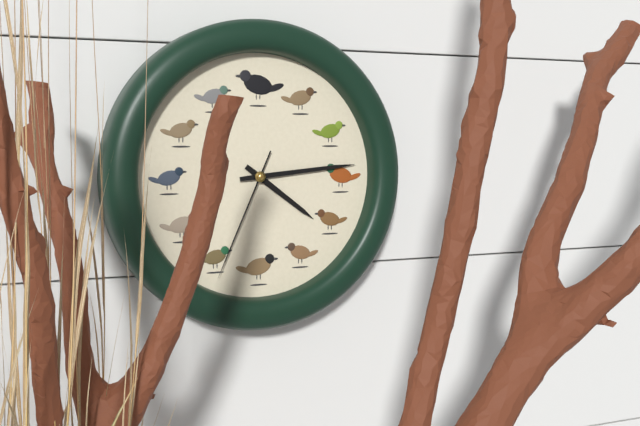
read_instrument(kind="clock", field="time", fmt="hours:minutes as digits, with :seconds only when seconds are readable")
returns 4:14:34
